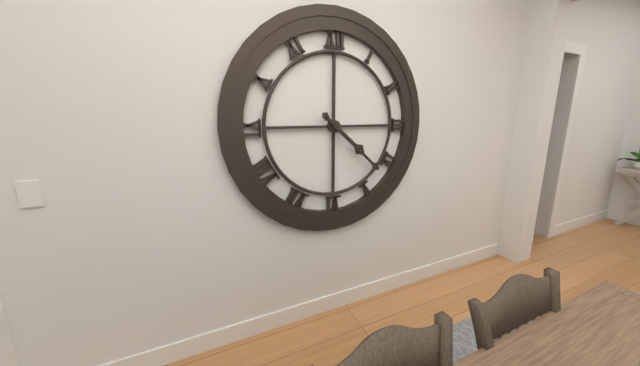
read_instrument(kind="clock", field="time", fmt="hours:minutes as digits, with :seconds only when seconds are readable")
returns 4:22
